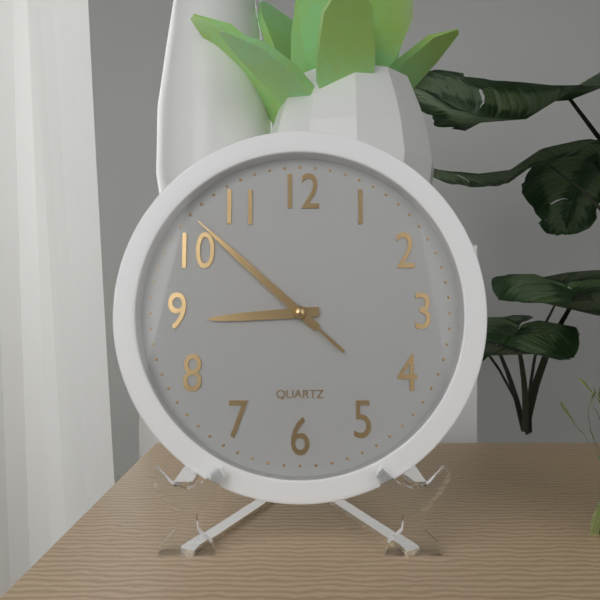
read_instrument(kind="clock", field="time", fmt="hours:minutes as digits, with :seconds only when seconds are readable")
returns 8:52:52
